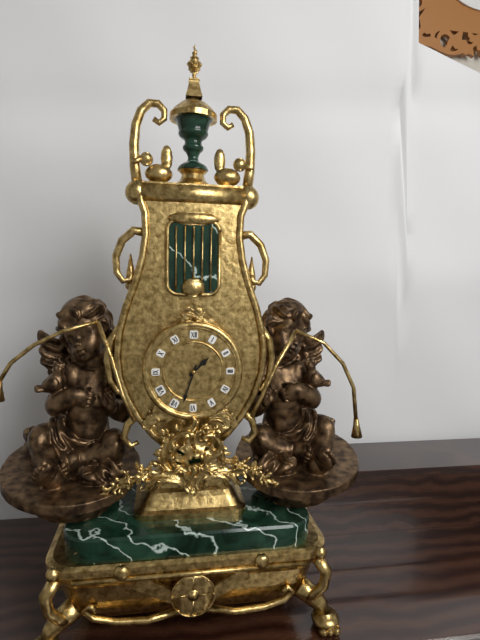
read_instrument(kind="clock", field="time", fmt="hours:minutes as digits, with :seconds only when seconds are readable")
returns 1:33
